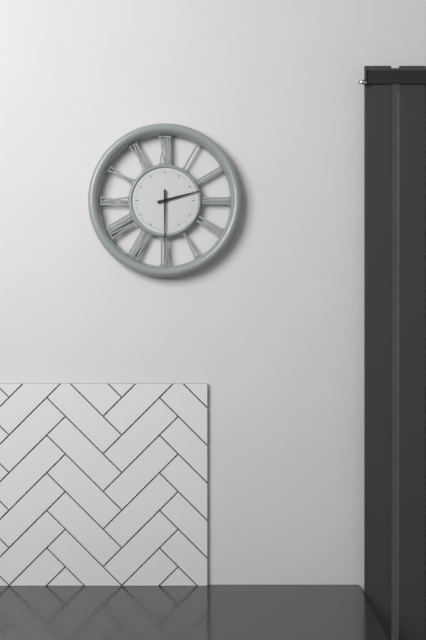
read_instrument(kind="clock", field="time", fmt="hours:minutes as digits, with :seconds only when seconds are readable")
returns 2:30
